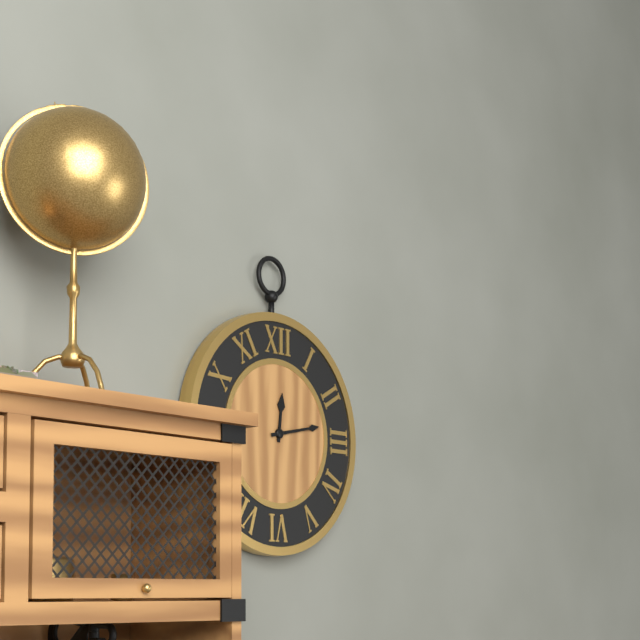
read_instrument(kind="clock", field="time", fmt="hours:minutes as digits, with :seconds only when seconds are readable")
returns 12:13
